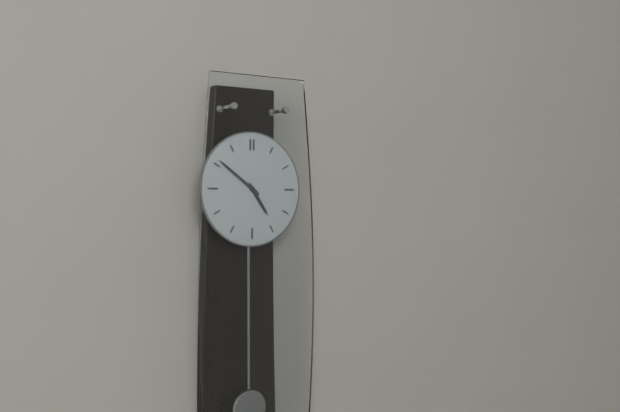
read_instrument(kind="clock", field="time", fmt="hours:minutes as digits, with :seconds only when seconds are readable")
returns 4:51
